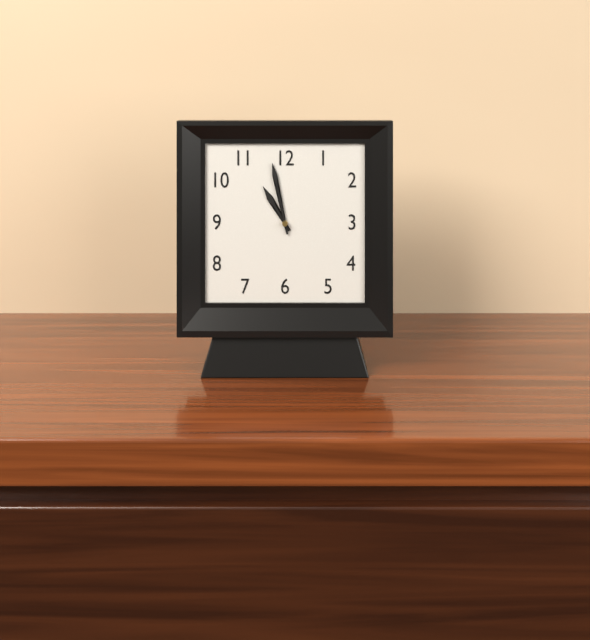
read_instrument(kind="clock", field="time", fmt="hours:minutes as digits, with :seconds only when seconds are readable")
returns 10:58
